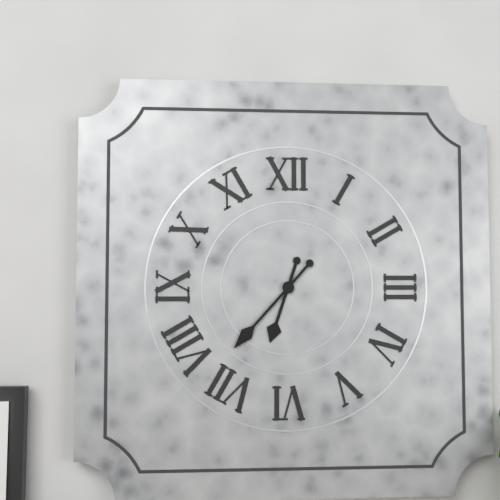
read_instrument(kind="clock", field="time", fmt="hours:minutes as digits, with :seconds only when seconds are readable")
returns 6:37
